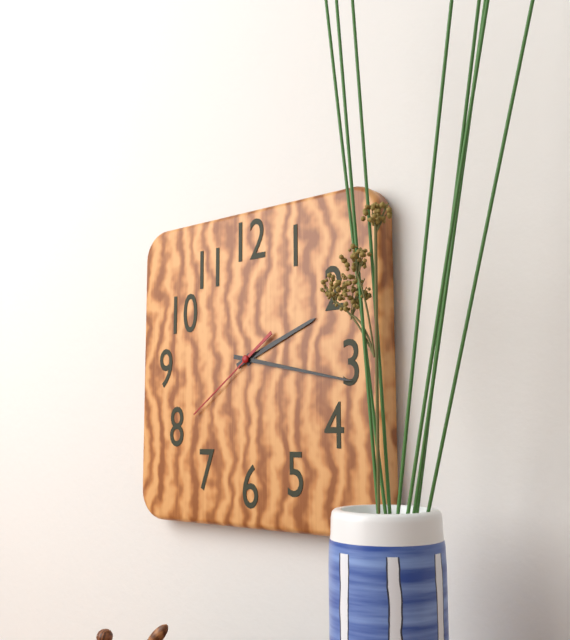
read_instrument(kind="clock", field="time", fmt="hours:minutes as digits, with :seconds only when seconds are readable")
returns 2:17:39
